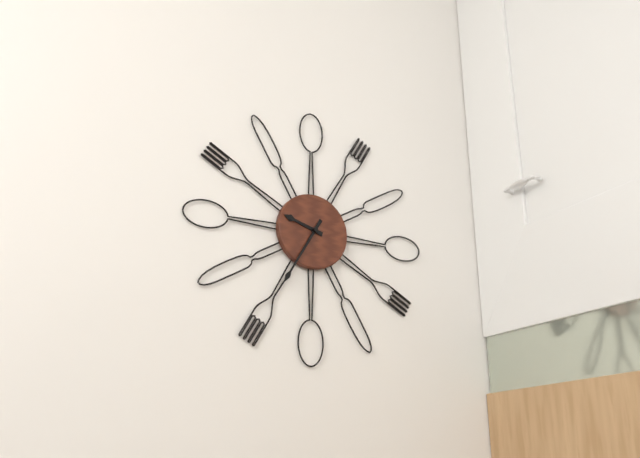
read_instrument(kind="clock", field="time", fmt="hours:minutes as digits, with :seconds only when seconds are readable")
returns 9:35
